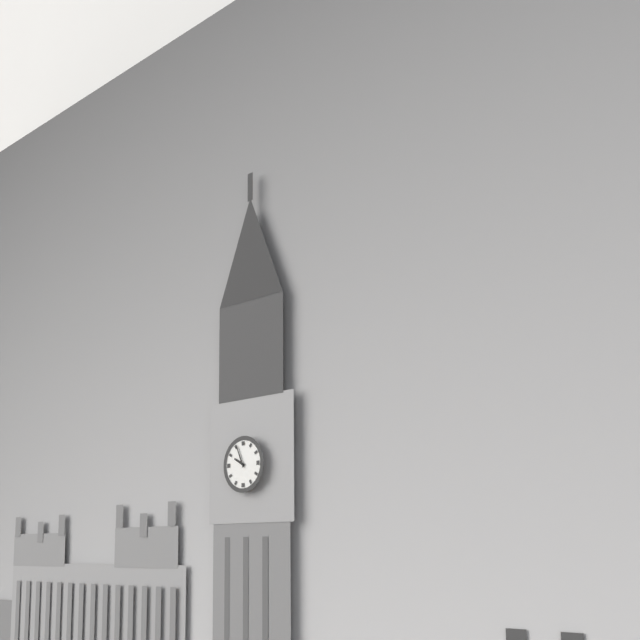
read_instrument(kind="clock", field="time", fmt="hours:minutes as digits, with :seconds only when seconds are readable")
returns 9:56
